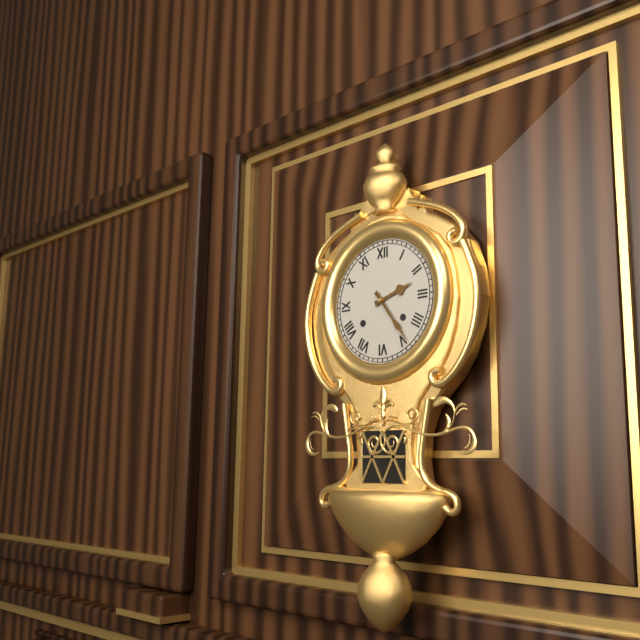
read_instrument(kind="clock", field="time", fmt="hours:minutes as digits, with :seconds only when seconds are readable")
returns 2:24
